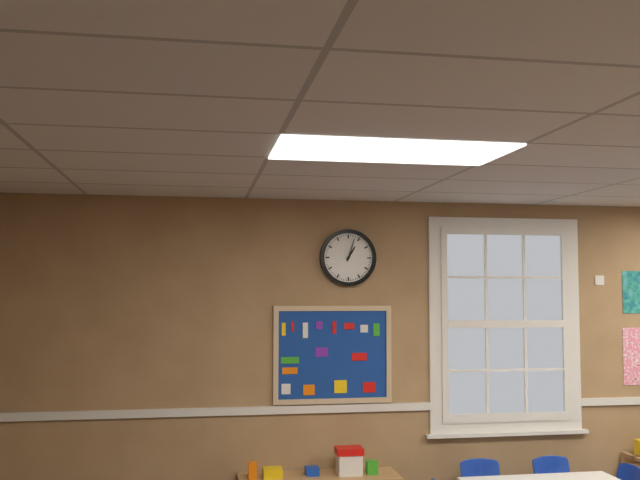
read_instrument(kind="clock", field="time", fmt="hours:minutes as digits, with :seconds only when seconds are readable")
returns 1:03
